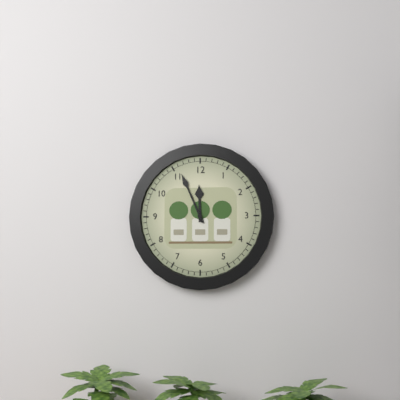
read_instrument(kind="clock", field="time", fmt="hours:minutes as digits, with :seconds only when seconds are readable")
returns 11:56
